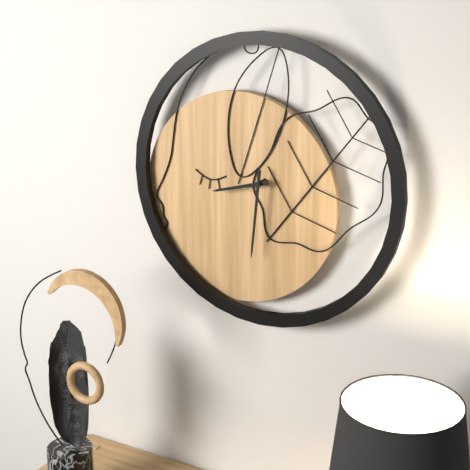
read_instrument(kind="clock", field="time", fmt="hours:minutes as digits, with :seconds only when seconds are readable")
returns 8:31
